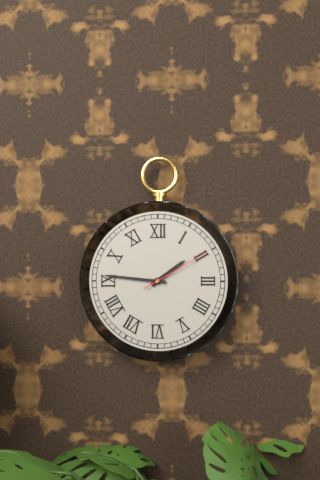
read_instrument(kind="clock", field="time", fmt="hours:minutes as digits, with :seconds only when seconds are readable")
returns 1:46:10
